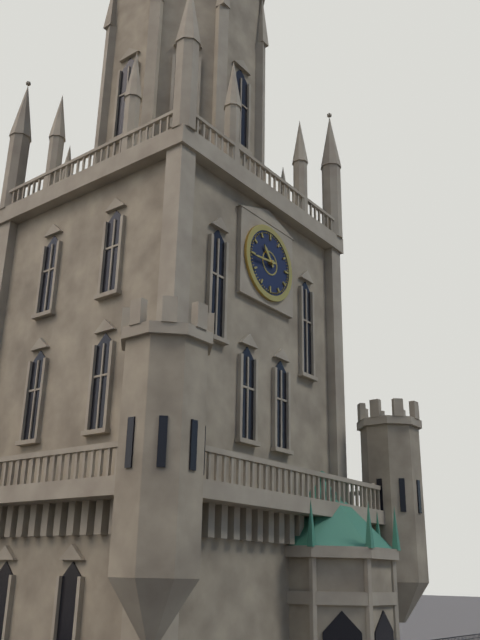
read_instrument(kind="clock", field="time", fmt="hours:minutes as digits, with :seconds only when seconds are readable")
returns 10:44
